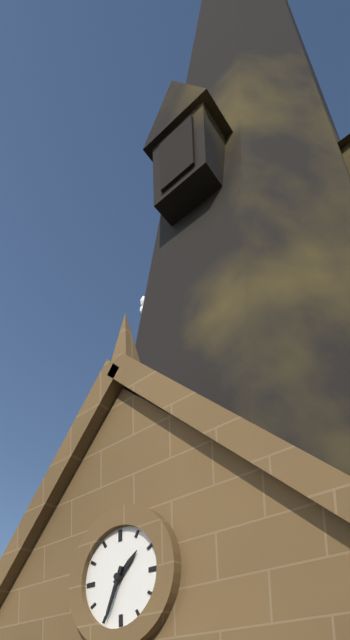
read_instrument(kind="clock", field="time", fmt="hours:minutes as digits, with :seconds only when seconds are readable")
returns 1:34
